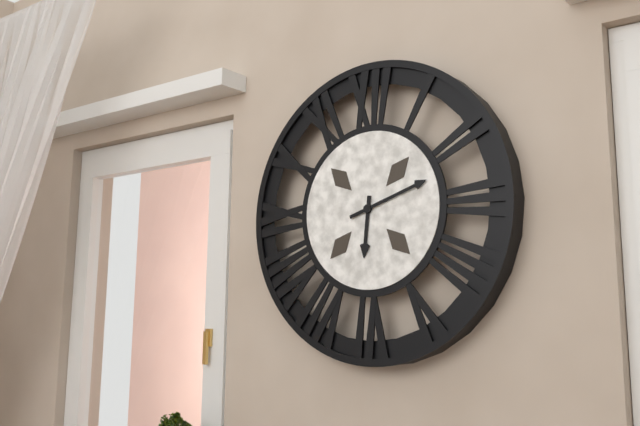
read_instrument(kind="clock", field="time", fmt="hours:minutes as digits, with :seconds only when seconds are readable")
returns 6:12
